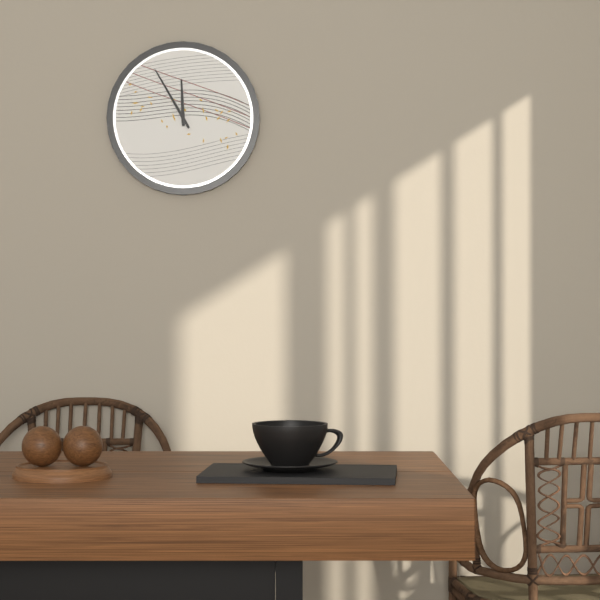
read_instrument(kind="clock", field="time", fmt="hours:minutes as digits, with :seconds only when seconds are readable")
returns 11:55
